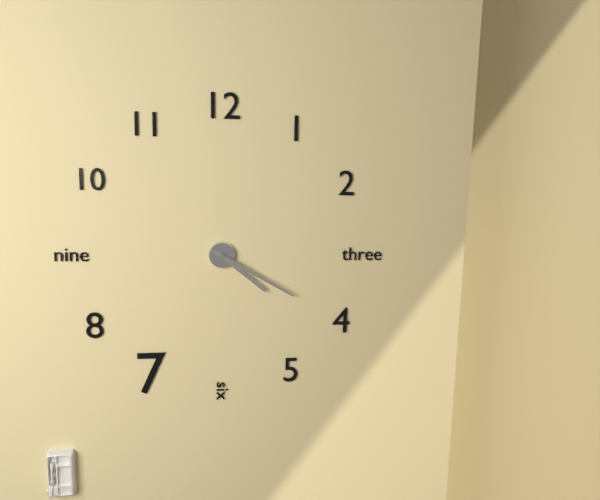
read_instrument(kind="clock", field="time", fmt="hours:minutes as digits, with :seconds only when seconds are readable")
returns 4:20
